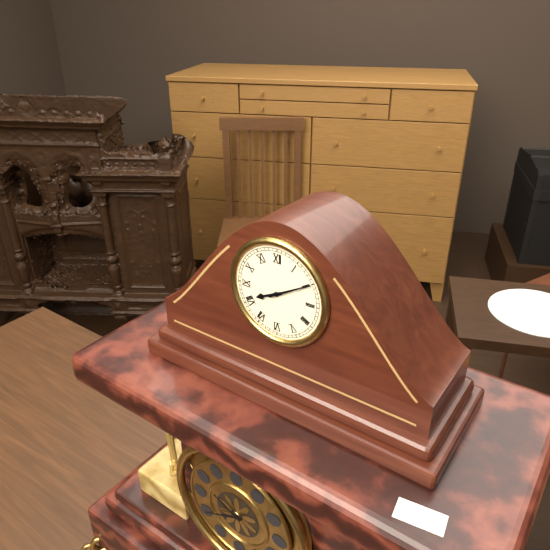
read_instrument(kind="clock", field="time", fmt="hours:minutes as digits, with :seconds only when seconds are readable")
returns 8:10
